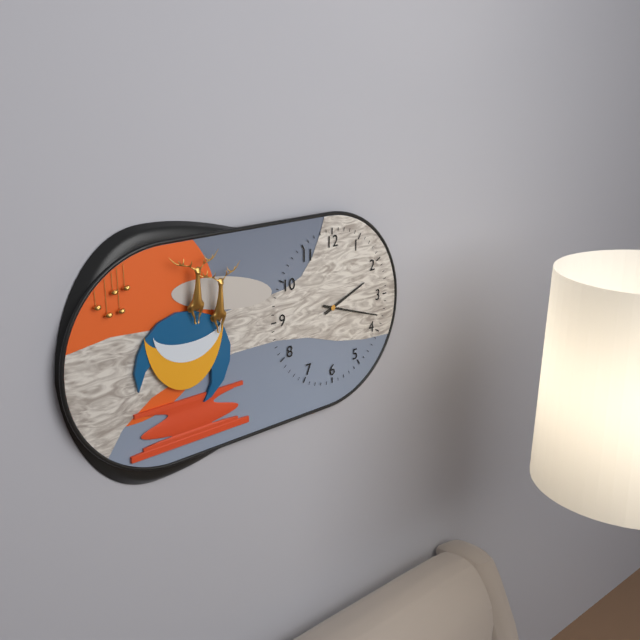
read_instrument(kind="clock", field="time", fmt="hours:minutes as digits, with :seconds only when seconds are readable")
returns 2:18
